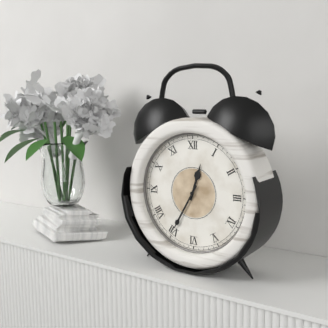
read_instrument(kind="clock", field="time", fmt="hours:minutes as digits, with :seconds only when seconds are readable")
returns 12:35
